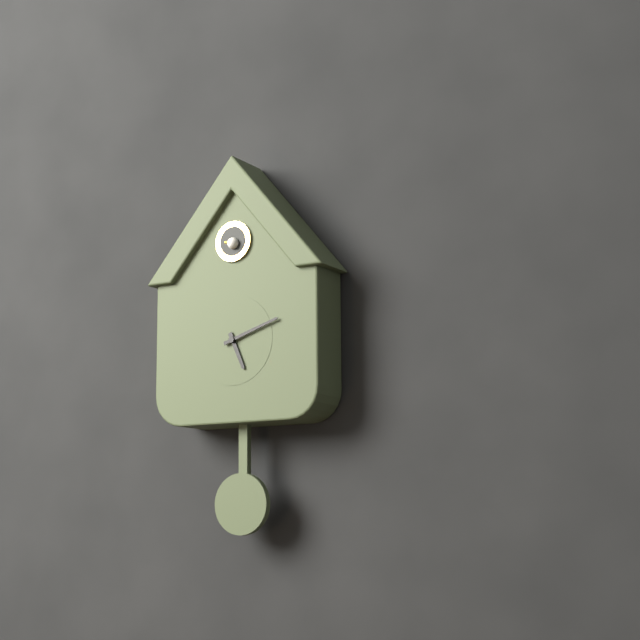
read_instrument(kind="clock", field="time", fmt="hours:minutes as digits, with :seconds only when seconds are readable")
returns 5:12
